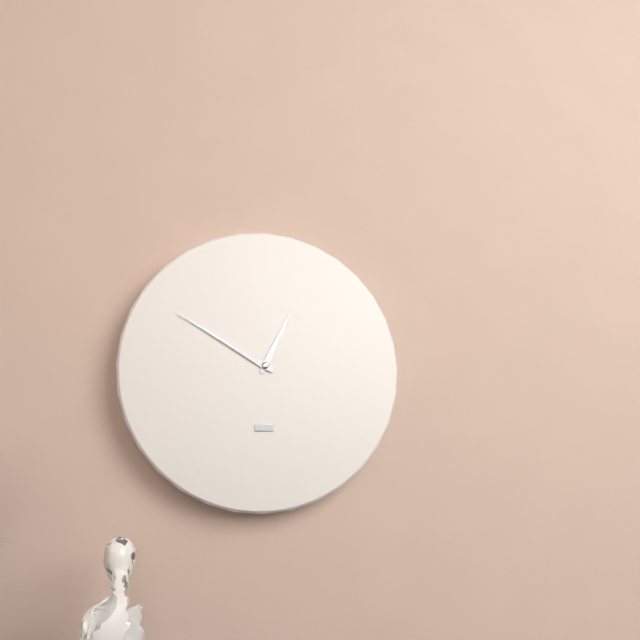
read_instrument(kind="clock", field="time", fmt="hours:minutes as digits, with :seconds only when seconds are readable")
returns 12:50
